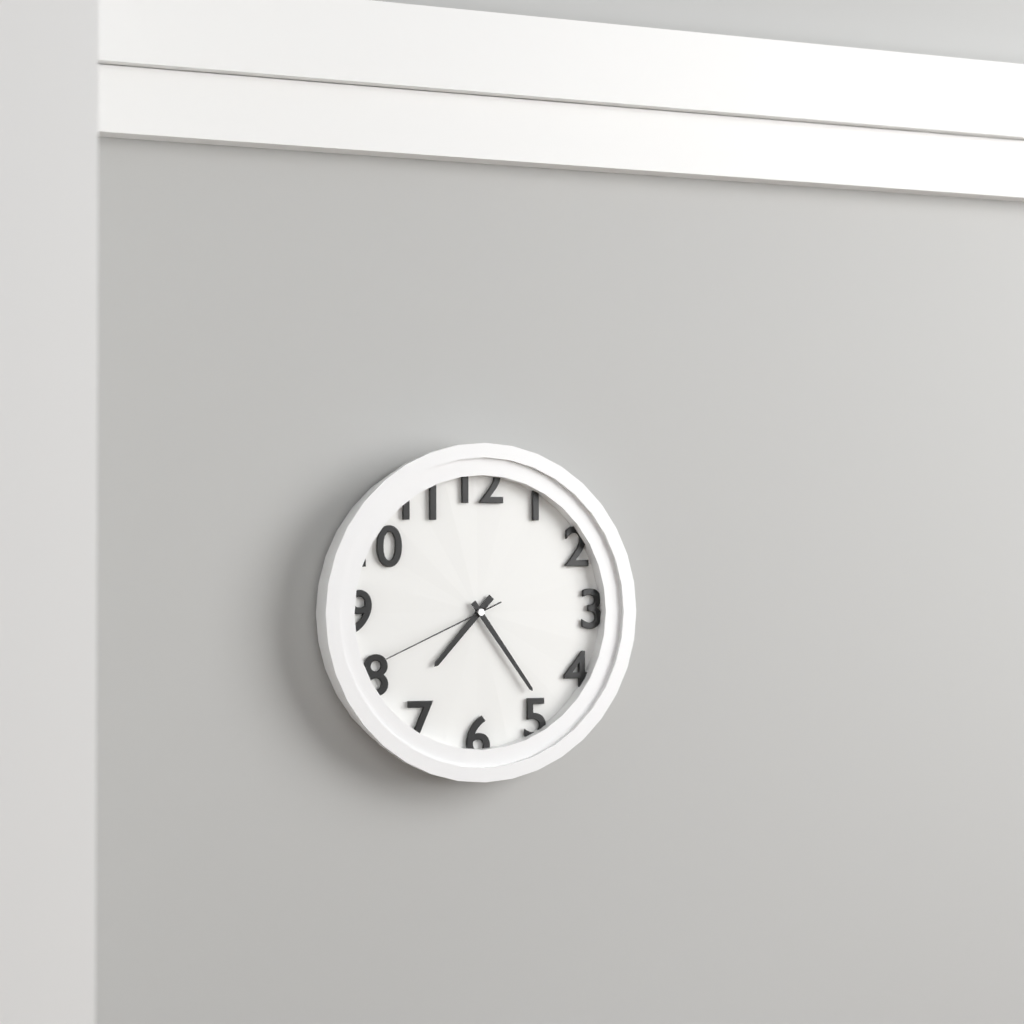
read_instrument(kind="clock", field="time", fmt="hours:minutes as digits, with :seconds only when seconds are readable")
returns 7:24:41
